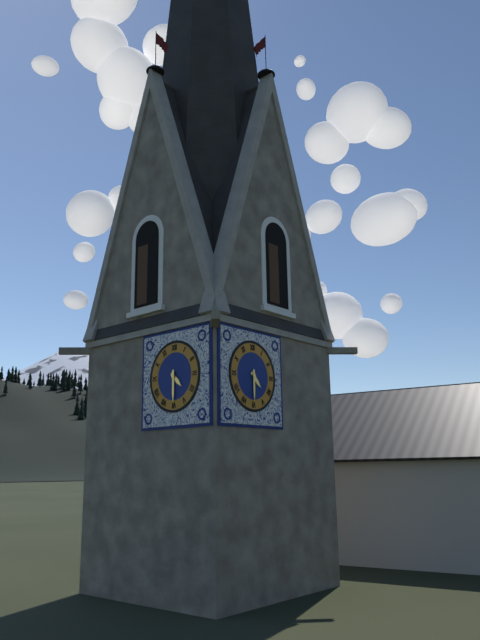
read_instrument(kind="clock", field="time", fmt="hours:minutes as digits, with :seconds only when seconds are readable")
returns 4:30
